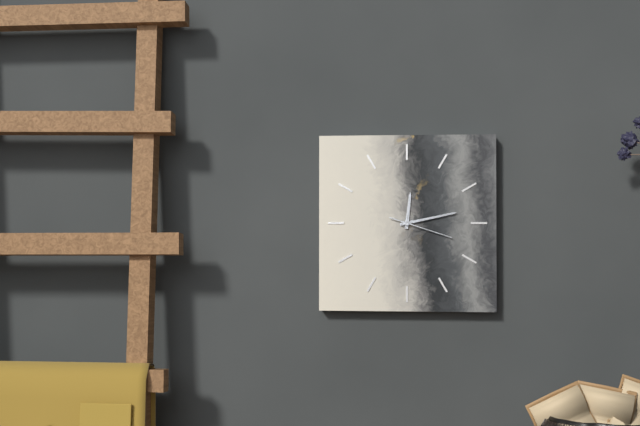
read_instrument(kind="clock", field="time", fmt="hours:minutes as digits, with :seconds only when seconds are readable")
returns 12:13:18
